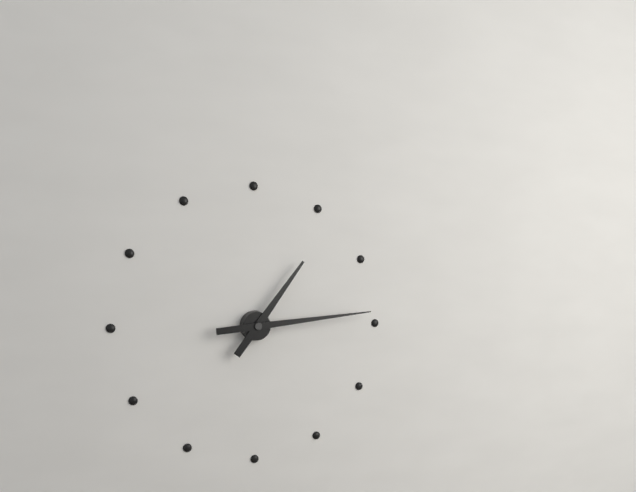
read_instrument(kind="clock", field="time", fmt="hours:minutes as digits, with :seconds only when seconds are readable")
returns 1:14
